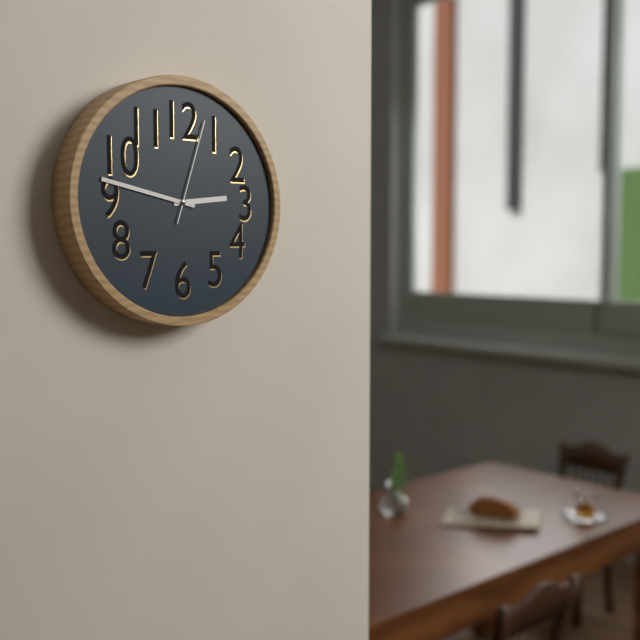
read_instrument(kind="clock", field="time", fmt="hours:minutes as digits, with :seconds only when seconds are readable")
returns 2:47:03
